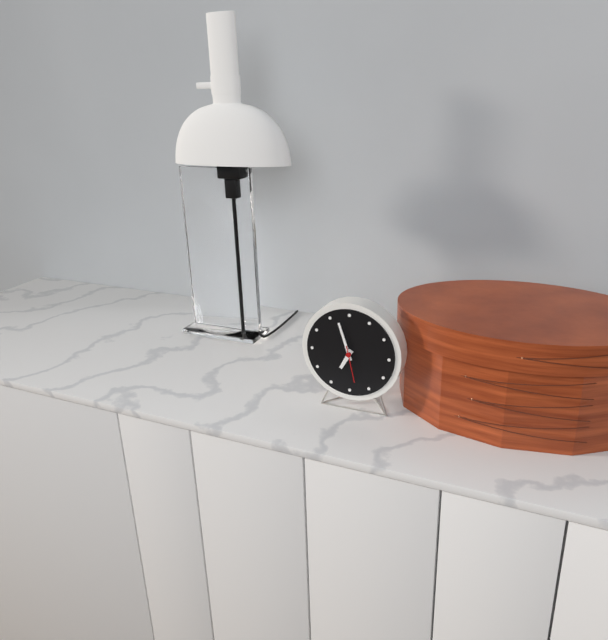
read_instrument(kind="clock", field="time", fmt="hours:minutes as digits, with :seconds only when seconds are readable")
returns 6:57
